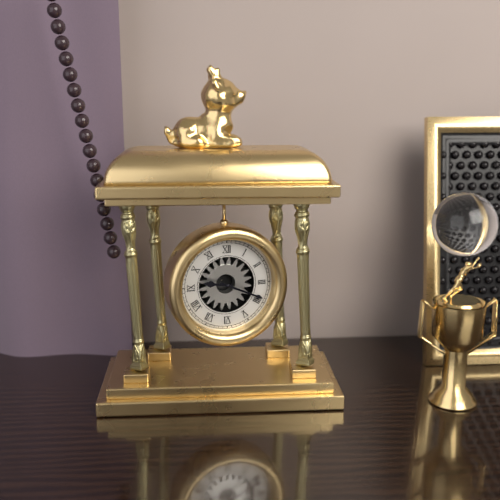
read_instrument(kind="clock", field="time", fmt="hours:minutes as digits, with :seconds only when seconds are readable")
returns 9:19
